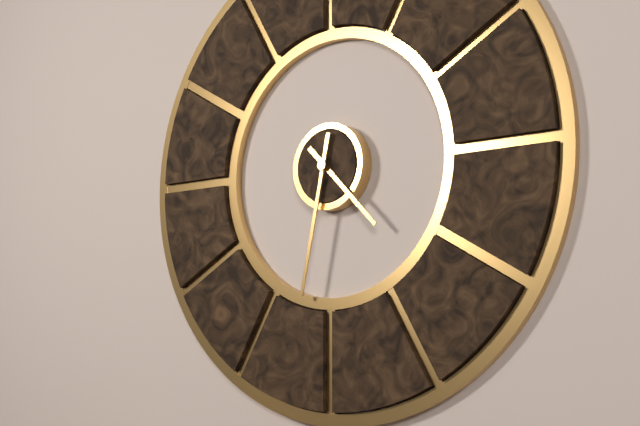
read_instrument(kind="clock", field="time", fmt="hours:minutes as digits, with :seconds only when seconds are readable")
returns 4:32
